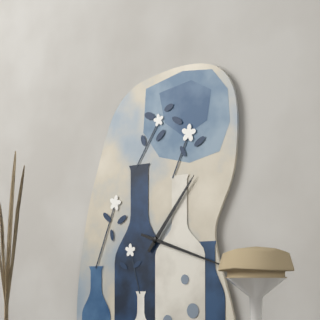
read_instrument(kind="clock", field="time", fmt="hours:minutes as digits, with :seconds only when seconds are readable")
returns 1:18
